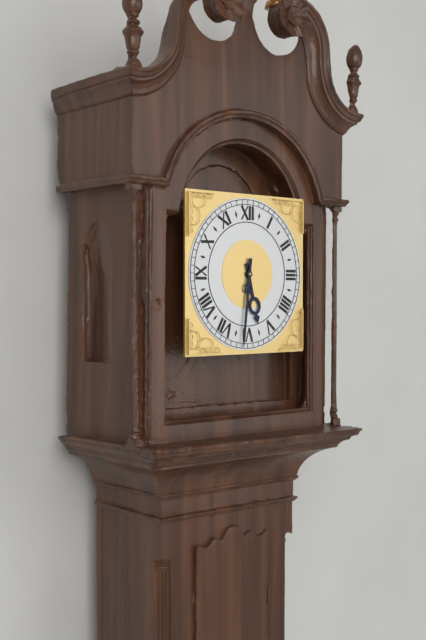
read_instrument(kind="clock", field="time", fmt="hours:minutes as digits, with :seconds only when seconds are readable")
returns 5:31
